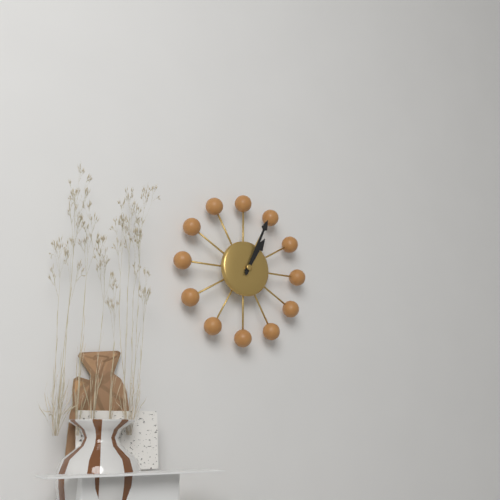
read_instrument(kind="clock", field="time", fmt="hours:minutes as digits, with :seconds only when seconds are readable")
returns 1:04
